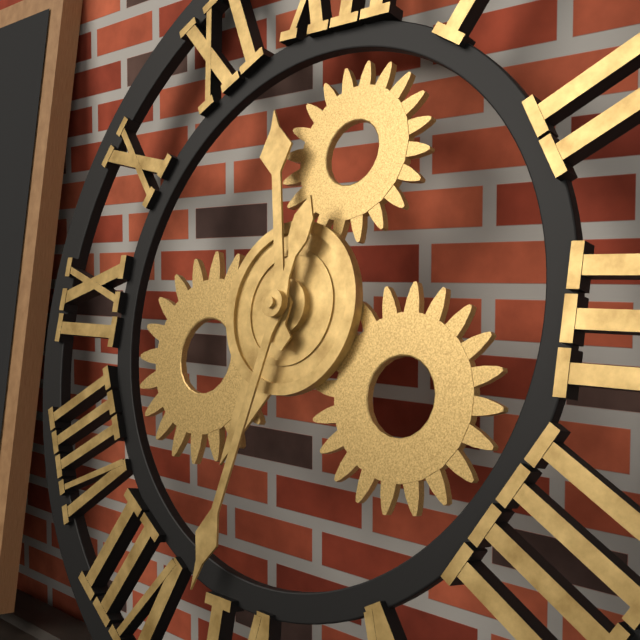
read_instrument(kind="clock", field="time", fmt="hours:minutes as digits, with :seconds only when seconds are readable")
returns 11:32
